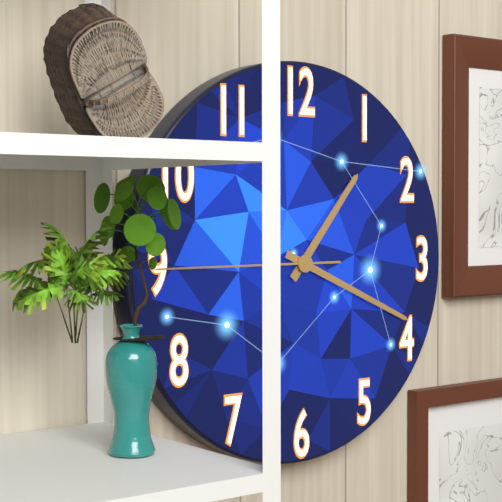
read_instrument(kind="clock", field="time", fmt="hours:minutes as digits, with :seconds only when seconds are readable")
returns 1:19:45
